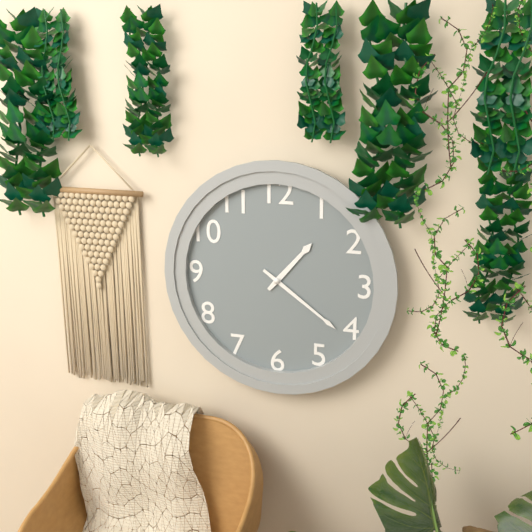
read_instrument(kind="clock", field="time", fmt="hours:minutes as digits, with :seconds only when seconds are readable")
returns 1:21
